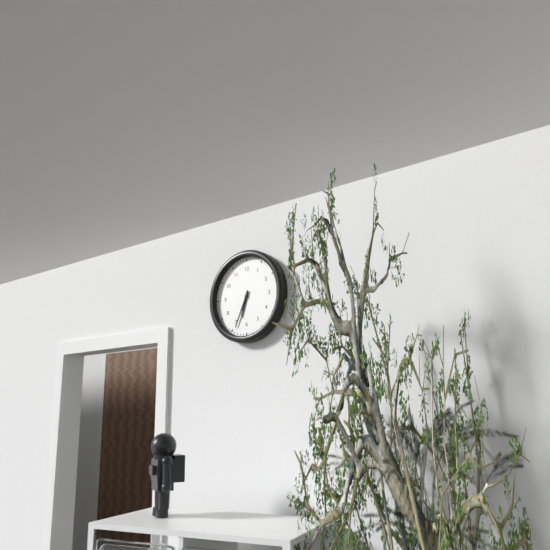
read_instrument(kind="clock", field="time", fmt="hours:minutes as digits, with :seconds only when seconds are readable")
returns 6:34
